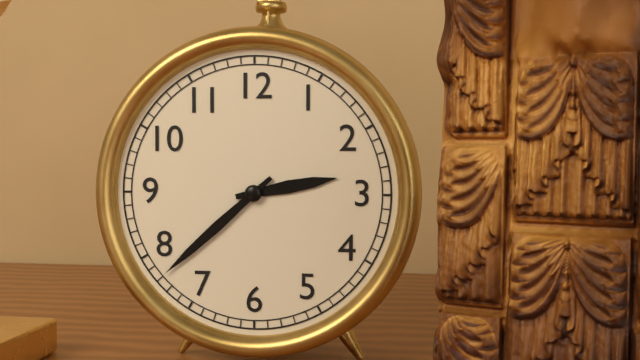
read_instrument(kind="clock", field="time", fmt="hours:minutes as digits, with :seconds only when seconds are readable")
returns 2:38
